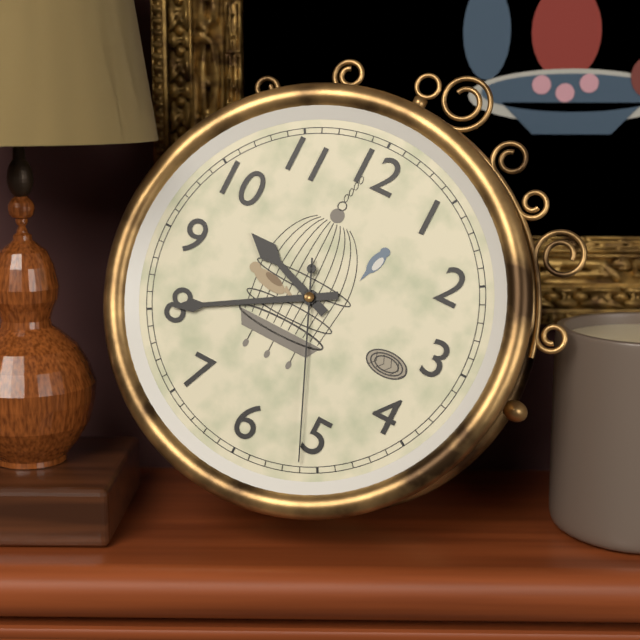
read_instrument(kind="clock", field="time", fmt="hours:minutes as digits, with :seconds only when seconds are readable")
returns 9:40:26
